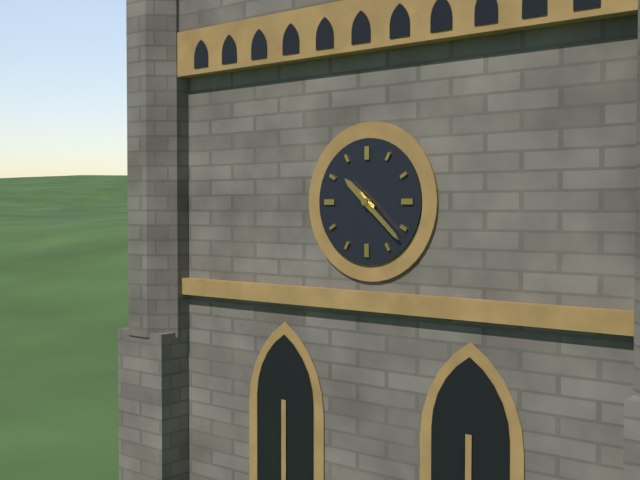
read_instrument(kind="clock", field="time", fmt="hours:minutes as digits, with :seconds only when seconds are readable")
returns 10:22
